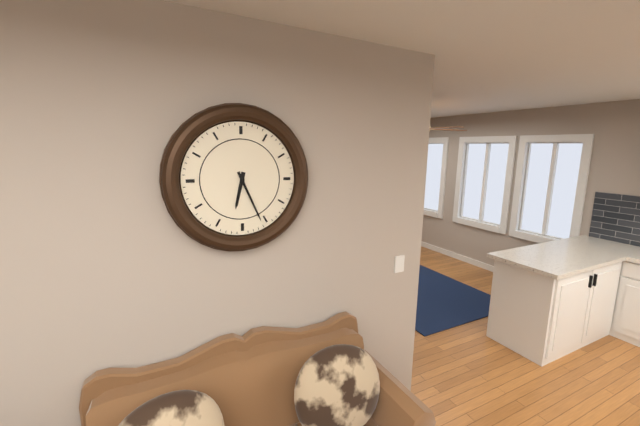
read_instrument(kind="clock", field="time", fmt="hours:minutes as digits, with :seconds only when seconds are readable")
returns 6:26
